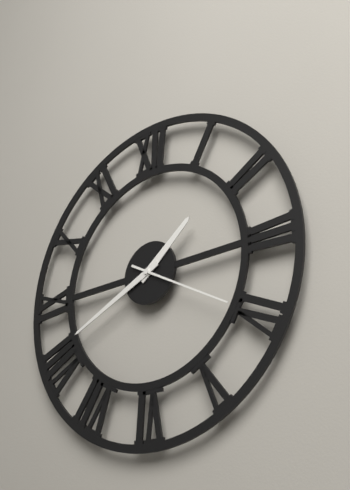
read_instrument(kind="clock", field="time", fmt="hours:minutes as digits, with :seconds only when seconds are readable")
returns 1:41:20
